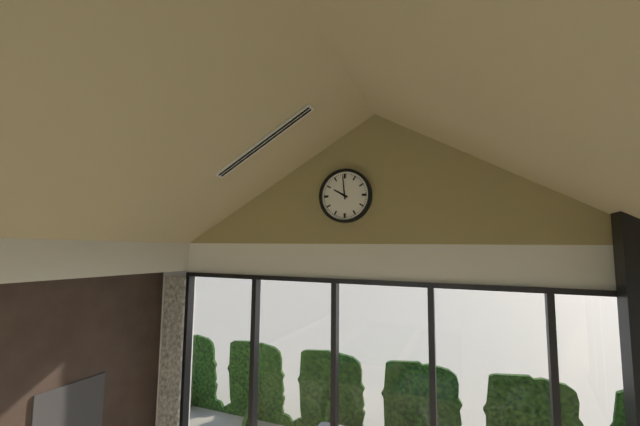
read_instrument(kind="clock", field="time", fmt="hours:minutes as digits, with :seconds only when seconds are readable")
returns 9:59
